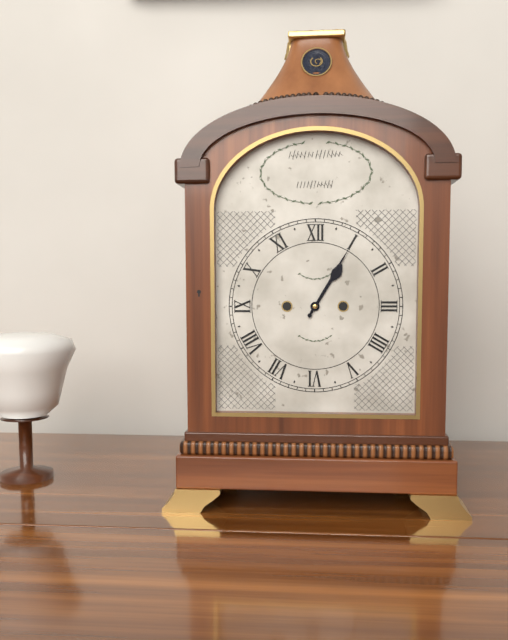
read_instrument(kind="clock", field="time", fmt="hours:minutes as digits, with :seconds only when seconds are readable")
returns 1:05
